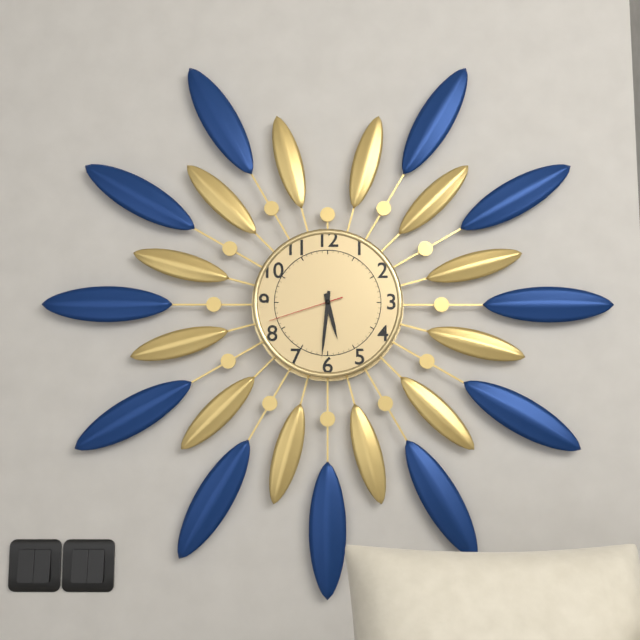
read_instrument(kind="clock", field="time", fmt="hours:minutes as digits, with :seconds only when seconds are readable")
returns 5:31:42
